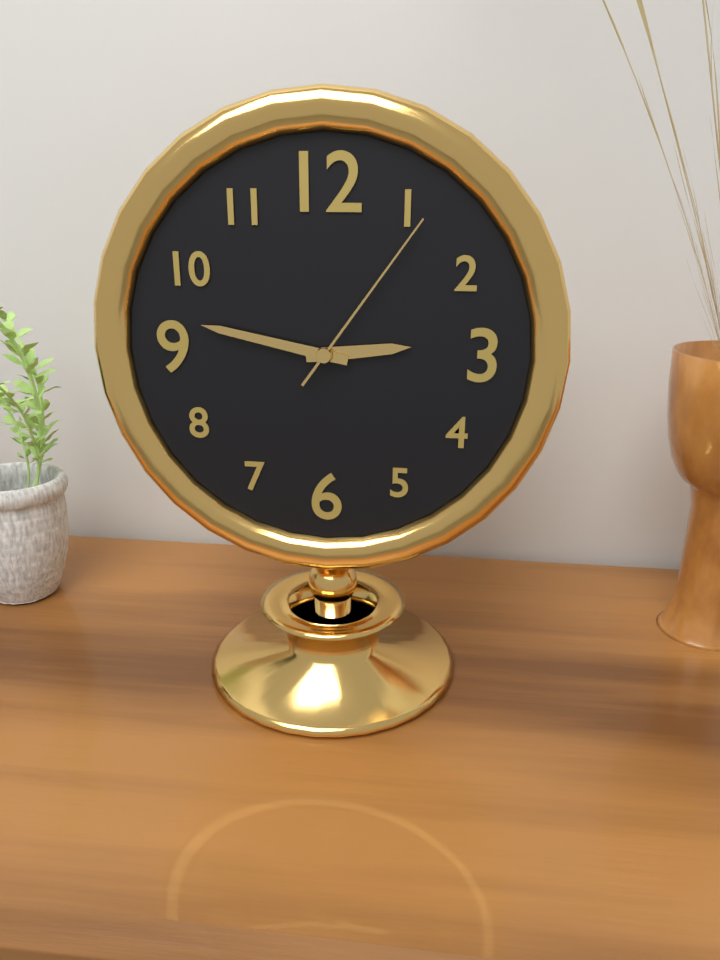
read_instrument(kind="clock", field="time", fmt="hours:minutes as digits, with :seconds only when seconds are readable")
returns 2:47:06
